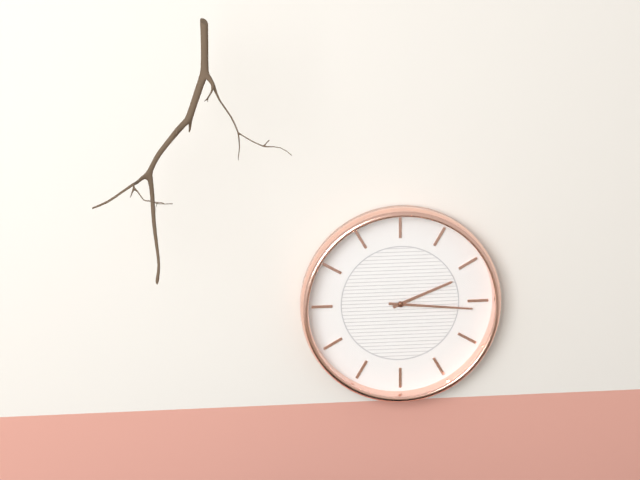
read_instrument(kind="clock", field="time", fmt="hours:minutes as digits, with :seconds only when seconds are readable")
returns 2:16
